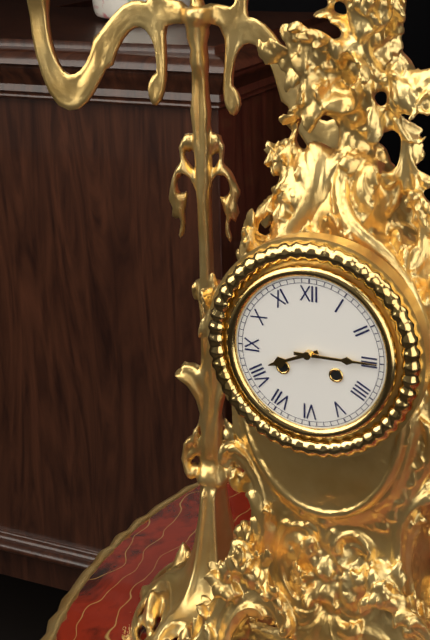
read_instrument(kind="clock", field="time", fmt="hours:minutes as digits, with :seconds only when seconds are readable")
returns 8:15
